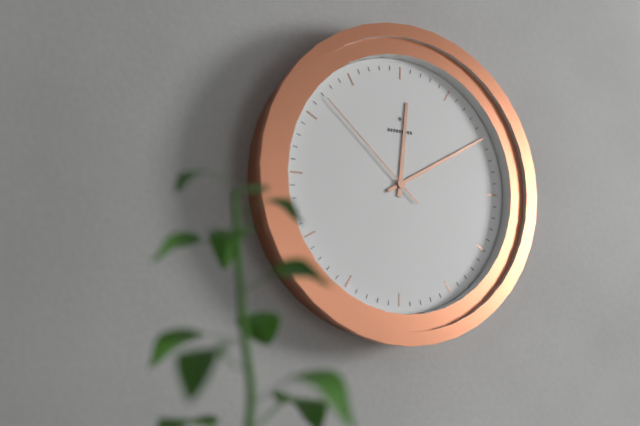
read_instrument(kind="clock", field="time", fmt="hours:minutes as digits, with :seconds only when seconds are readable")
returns 12:10:52
